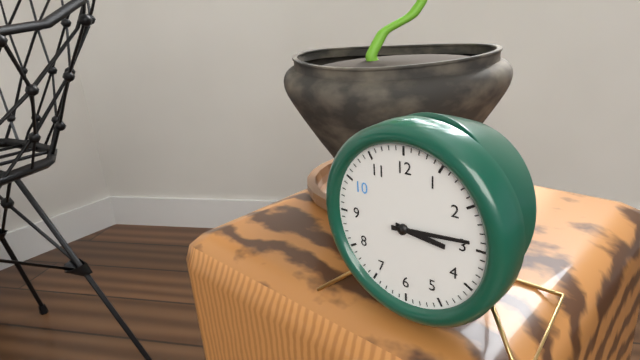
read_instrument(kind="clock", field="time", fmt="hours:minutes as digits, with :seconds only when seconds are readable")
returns 3:14
